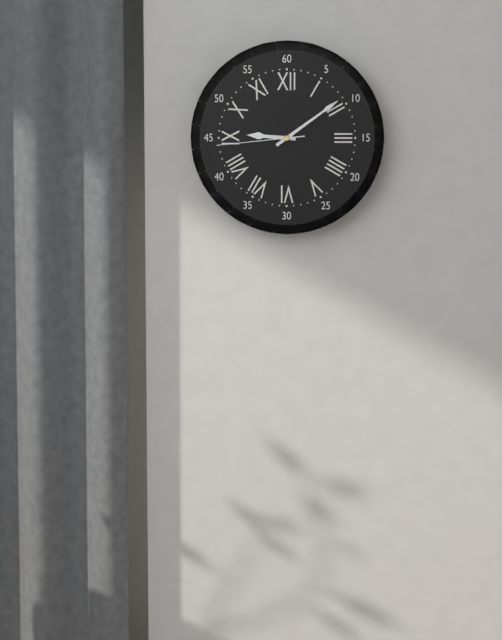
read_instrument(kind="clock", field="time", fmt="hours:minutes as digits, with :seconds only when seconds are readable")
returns 9:09:44
